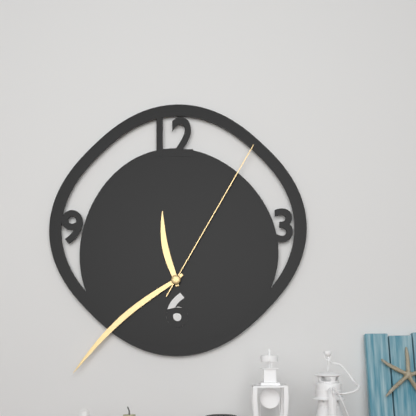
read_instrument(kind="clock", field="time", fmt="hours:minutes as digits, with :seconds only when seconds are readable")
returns 11:38:05
